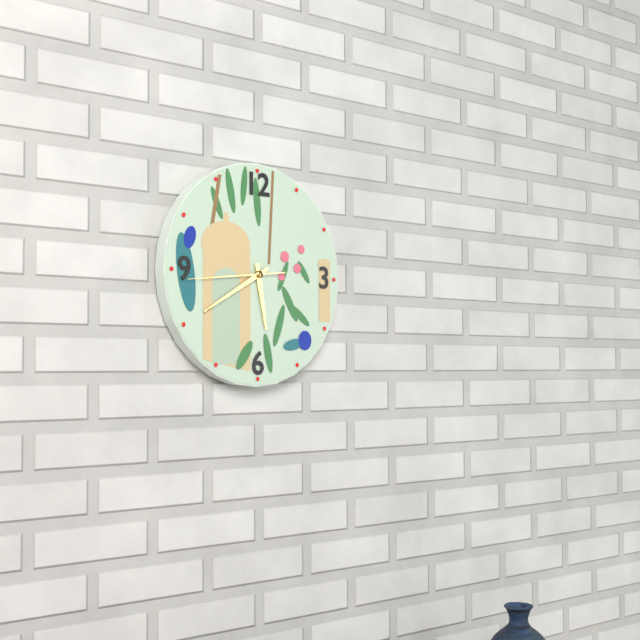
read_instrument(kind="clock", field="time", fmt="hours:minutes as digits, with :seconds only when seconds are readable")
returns 5:40:44
